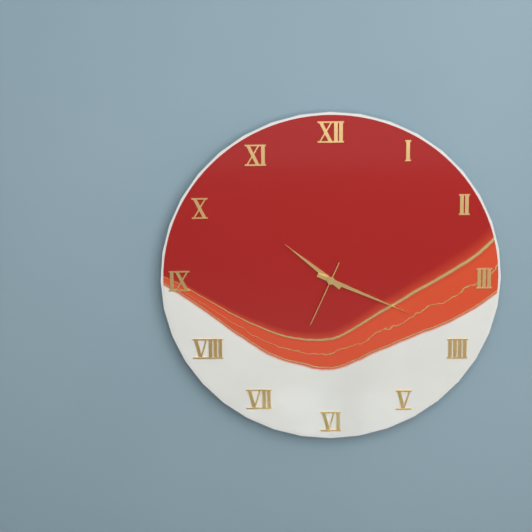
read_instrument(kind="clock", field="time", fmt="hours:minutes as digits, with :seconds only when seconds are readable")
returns 10:19:34
